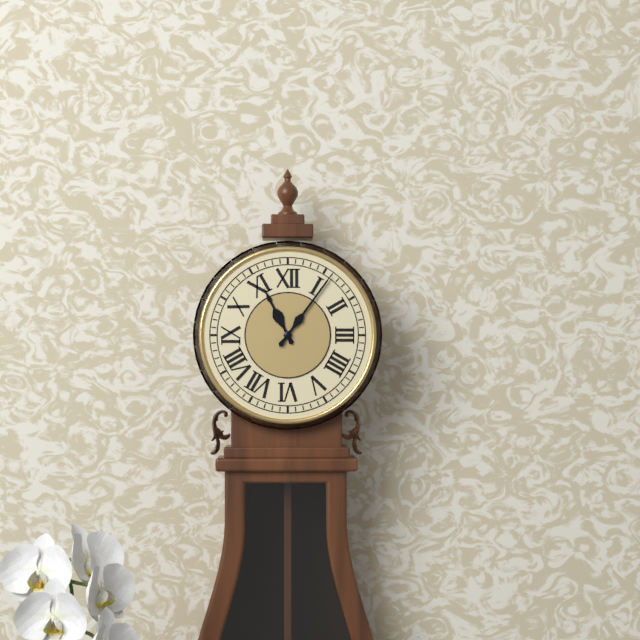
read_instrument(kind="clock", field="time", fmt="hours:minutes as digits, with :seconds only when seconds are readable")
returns 11:06
